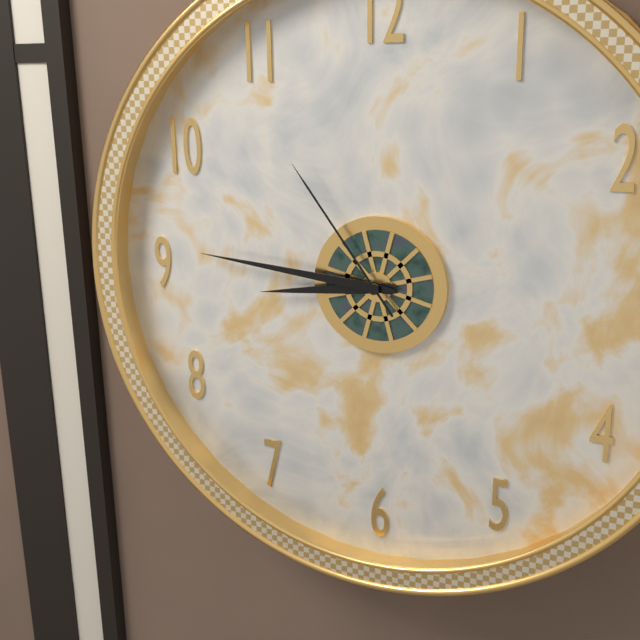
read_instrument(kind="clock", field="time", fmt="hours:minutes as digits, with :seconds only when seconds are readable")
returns 8:46:54
